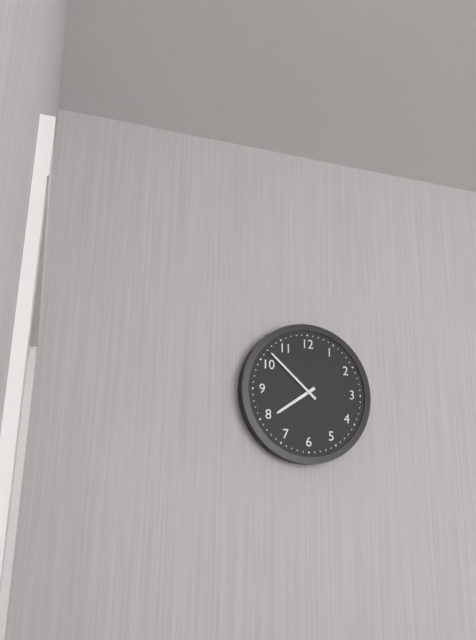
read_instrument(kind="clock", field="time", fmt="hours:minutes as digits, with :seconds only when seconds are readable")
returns 7:52
